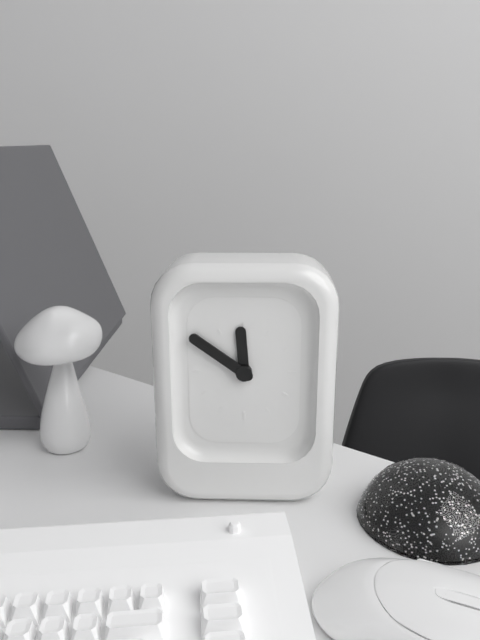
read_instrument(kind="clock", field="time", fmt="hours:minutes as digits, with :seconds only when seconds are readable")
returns 11:51
